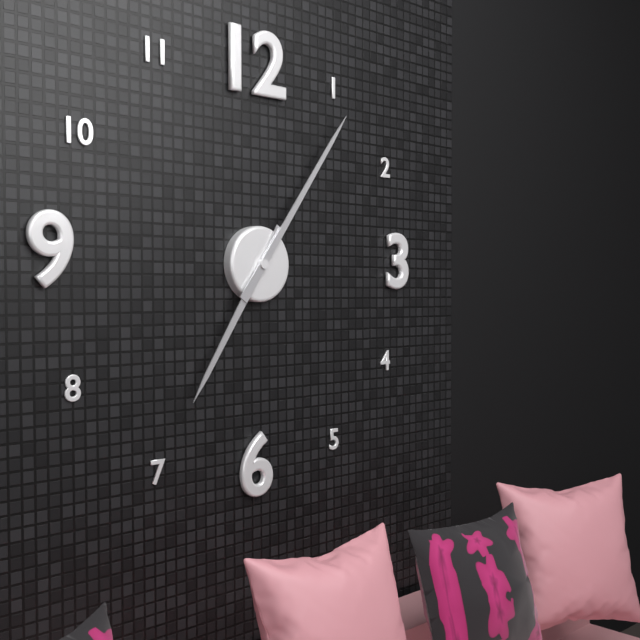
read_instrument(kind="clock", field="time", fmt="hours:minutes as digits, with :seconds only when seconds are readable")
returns 7:06
